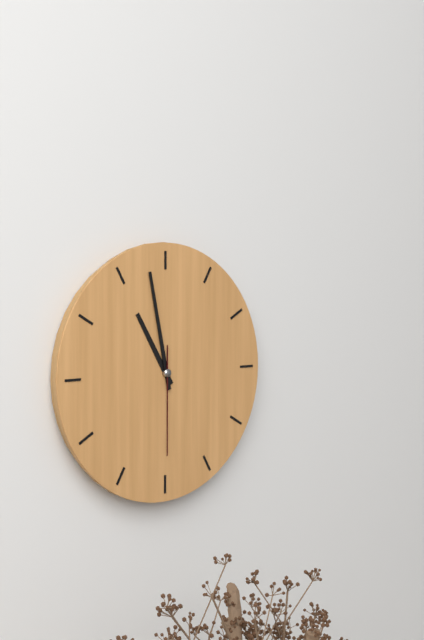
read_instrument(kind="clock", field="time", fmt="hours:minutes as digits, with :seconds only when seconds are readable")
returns 10:58:30
